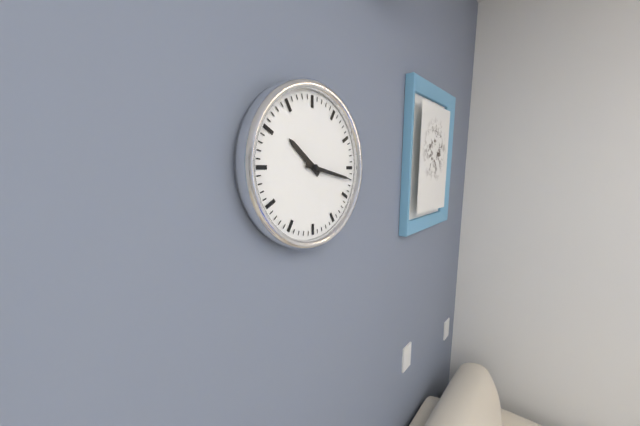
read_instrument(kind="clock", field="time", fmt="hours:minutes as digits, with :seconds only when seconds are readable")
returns 10:17
